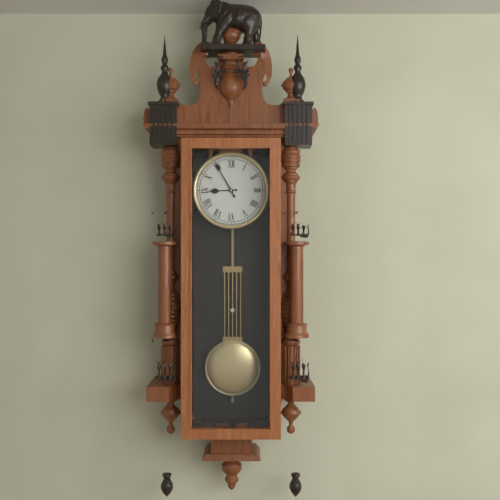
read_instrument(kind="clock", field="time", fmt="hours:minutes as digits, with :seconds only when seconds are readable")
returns 8:55
